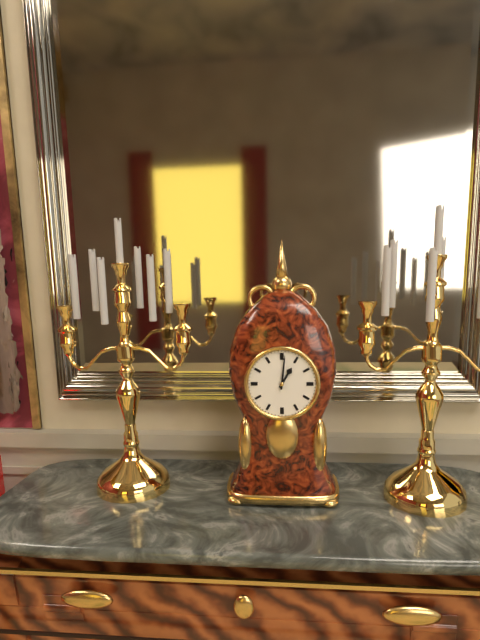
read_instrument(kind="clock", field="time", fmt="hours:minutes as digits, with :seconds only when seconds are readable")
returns 1:01
